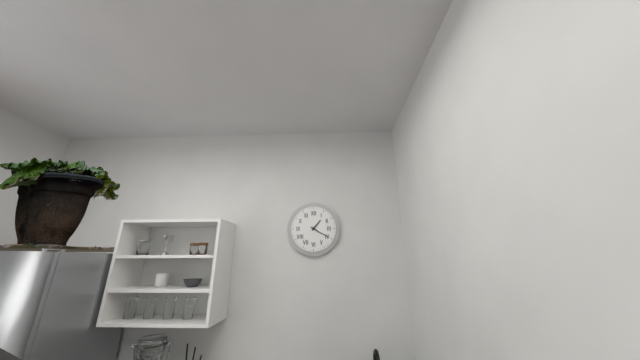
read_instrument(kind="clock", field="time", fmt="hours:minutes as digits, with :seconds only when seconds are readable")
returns 1:20
